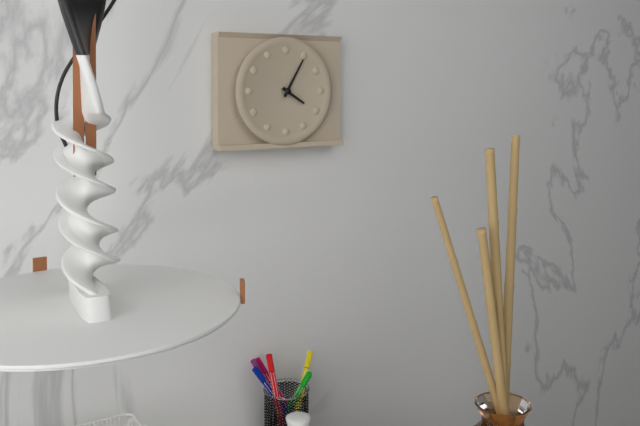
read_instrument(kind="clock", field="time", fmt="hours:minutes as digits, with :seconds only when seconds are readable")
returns 4:05
